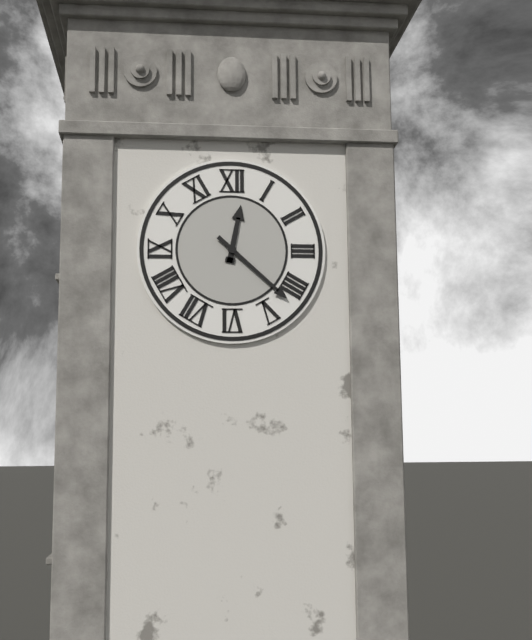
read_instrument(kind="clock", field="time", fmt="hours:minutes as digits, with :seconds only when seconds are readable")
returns 12:22
